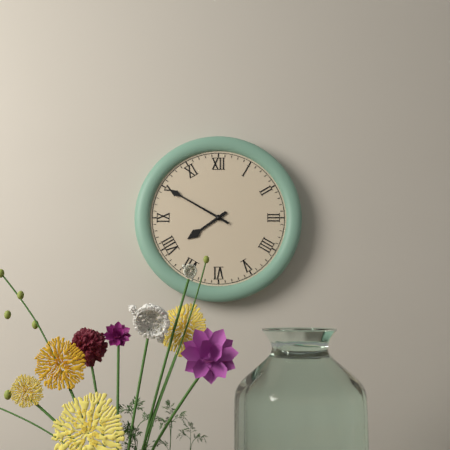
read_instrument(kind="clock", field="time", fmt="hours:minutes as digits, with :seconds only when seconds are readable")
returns 7:50
